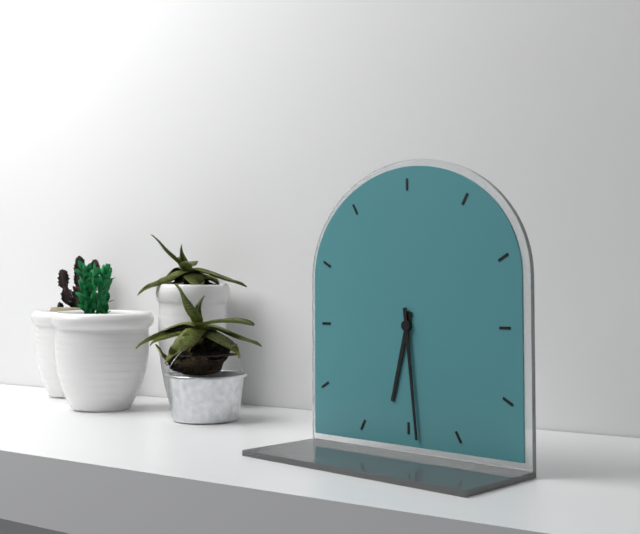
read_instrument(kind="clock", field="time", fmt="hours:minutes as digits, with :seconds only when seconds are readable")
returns 6:29
